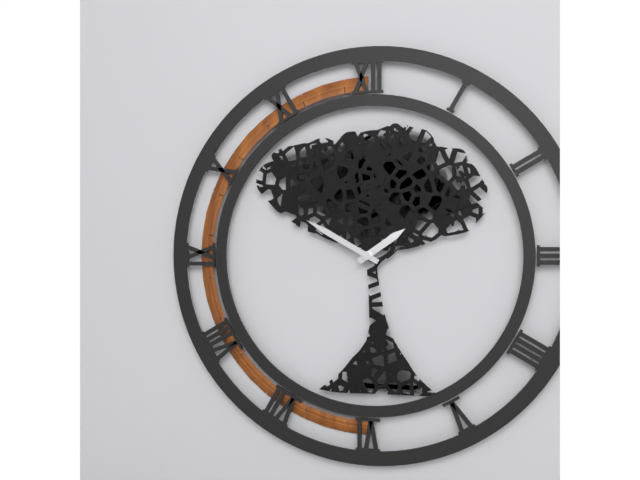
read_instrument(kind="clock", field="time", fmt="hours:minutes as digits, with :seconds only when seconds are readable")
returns 1:50
